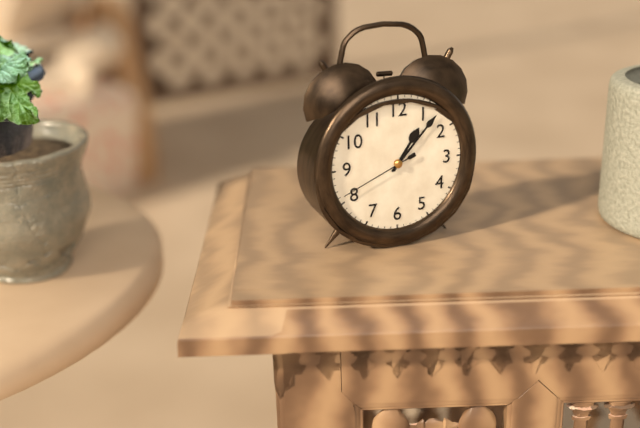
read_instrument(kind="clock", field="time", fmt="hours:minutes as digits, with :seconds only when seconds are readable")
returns 1:07:41
